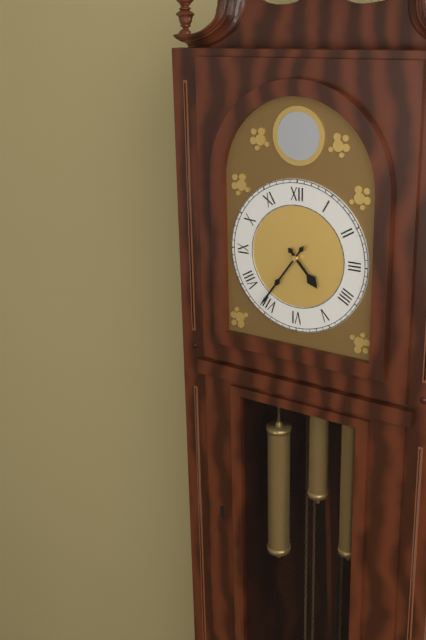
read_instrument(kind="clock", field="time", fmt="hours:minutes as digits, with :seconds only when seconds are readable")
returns 4:36
